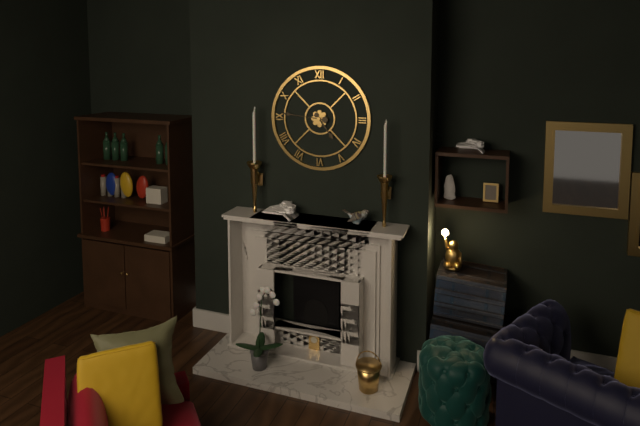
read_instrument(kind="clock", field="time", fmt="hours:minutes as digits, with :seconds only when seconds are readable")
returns 4:46
